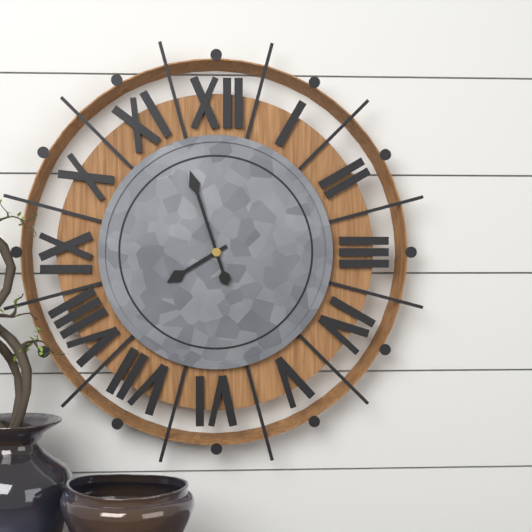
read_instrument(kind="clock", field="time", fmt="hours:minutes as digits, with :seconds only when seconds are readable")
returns 7:57
